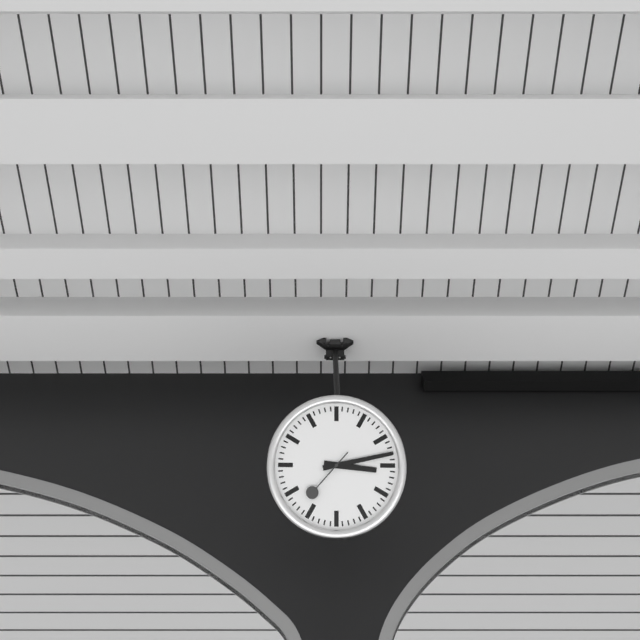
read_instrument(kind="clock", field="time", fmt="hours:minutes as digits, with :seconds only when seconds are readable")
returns 3:13:37
